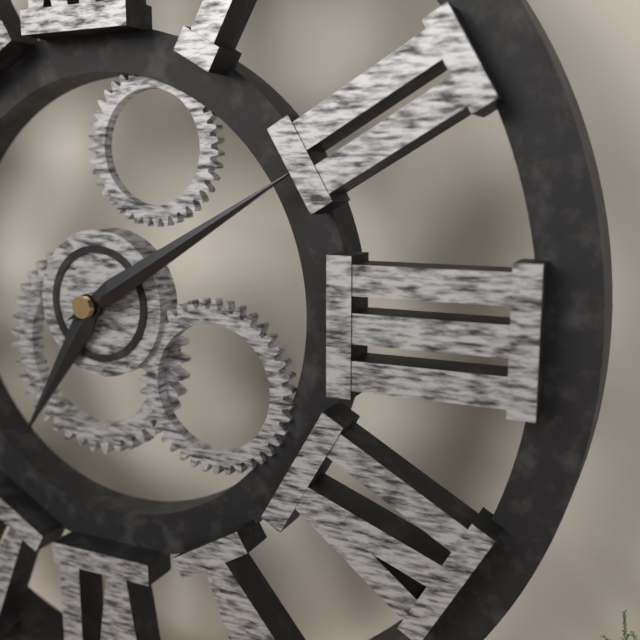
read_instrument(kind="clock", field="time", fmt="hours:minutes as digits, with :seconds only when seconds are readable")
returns 7:10
